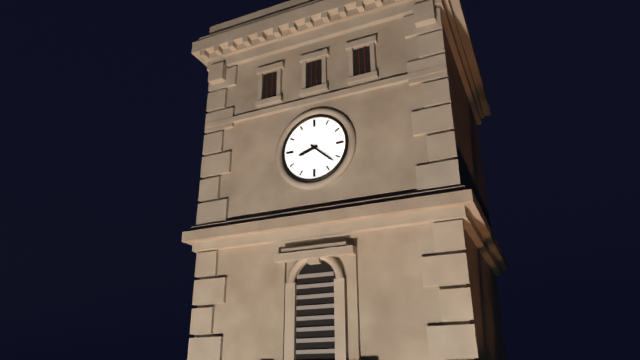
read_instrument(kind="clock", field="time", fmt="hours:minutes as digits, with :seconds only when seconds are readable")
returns 8:22
